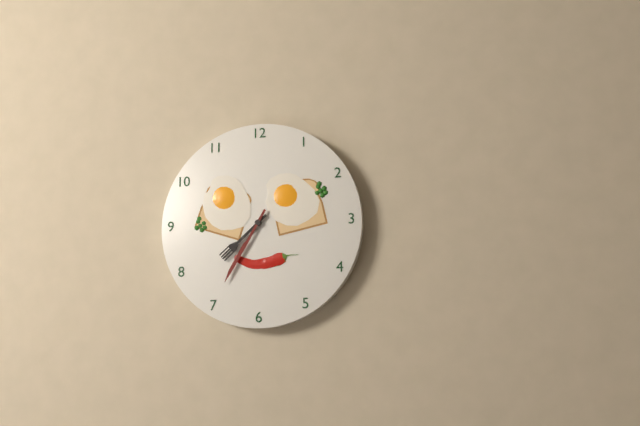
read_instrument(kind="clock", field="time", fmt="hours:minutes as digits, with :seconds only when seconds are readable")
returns 7:35
